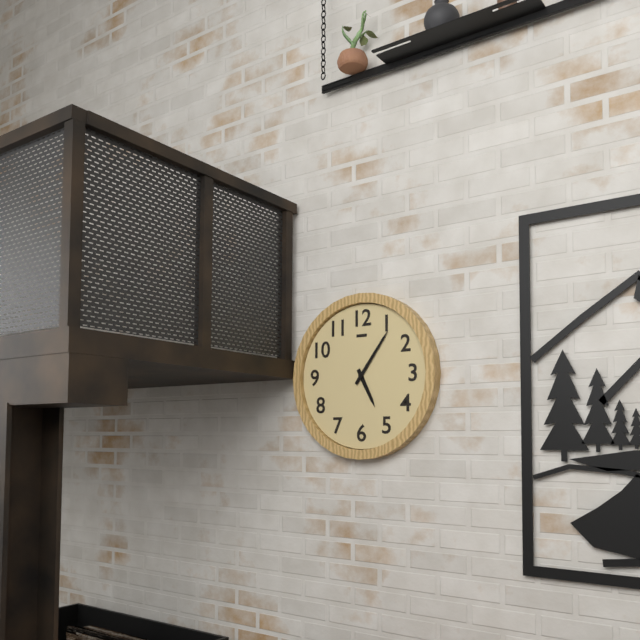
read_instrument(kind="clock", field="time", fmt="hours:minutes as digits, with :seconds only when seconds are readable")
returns 5:06
